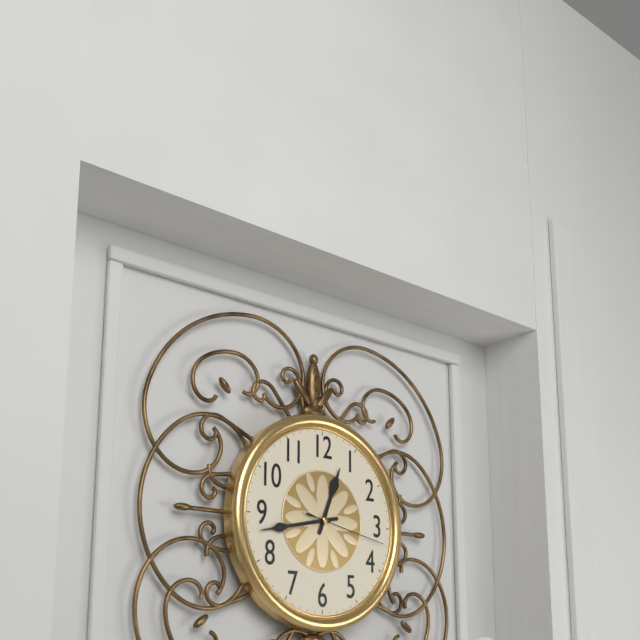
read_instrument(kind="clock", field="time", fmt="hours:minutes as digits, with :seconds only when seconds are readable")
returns 12:43:17
